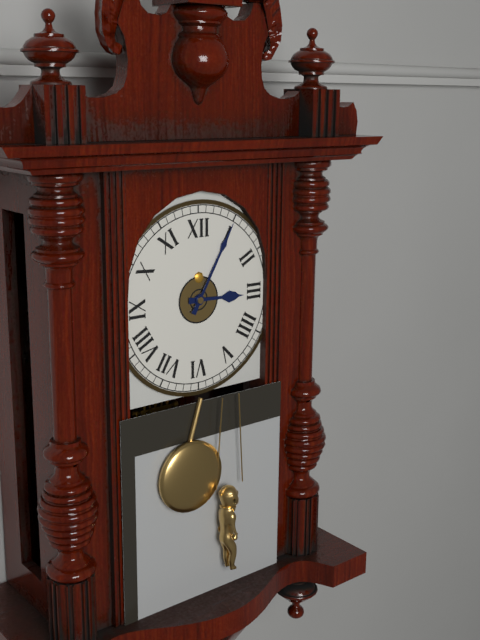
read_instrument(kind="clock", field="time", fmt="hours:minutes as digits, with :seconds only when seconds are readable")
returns 3:05
